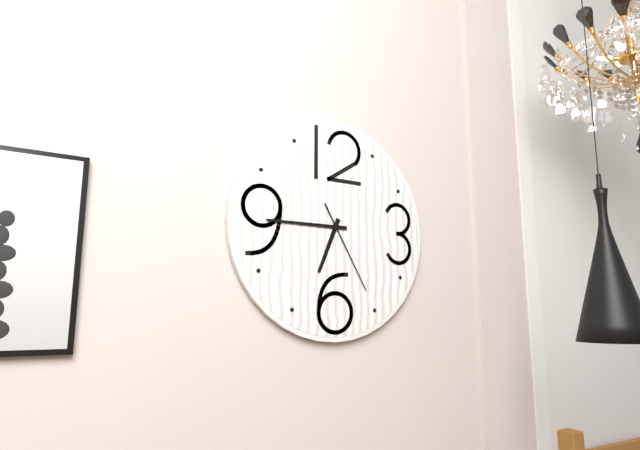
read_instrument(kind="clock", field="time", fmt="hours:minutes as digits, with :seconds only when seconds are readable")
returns 6:45:25
